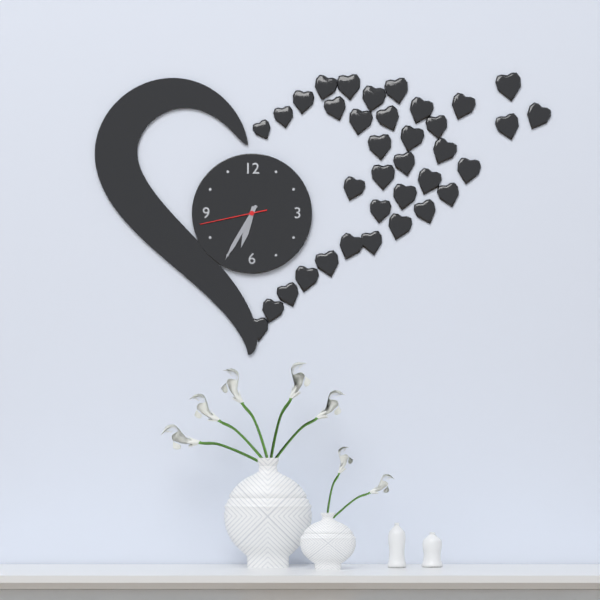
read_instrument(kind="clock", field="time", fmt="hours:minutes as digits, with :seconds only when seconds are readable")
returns 6:35:43
